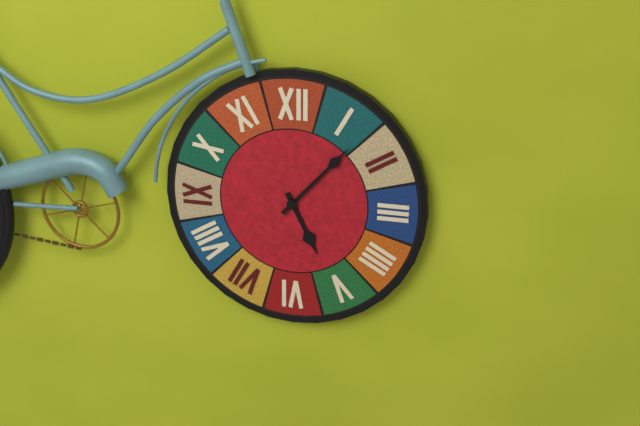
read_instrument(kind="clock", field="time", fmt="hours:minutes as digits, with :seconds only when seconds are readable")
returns 5:07
